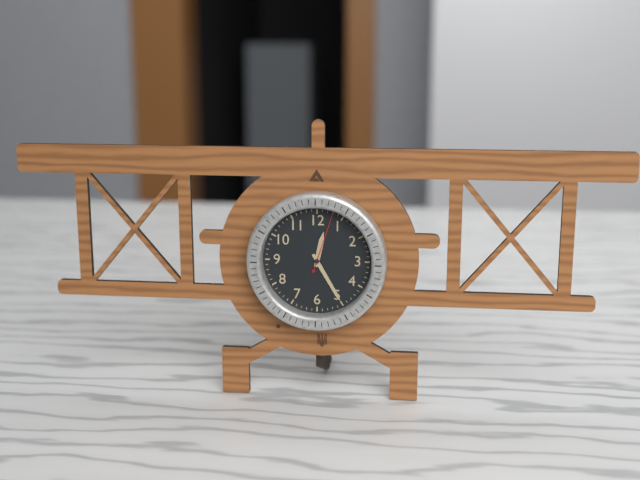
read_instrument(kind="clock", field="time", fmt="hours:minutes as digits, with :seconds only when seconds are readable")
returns 12:25:03
